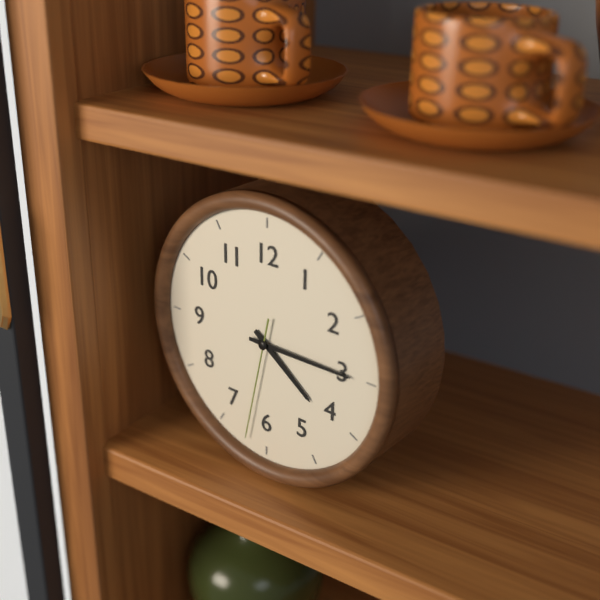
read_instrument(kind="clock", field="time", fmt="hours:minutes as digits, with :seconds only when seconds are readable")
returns 4:15:32
